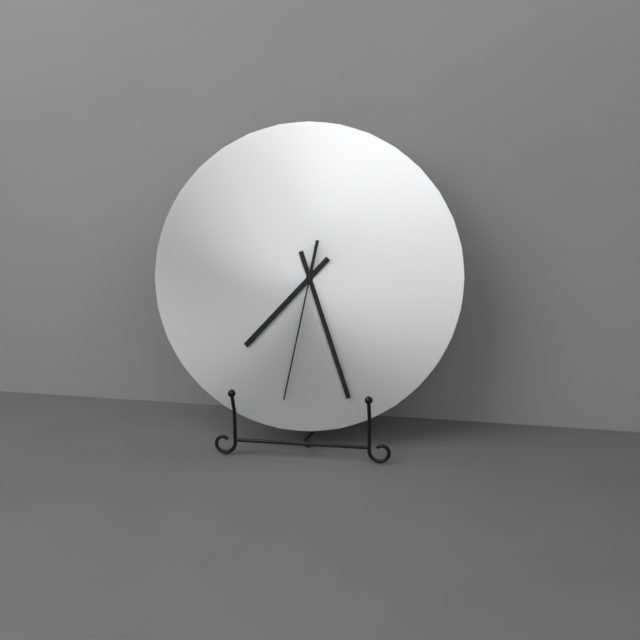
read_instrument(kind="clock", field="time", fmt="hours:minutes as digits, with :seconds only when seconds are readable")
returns 7:27:32
